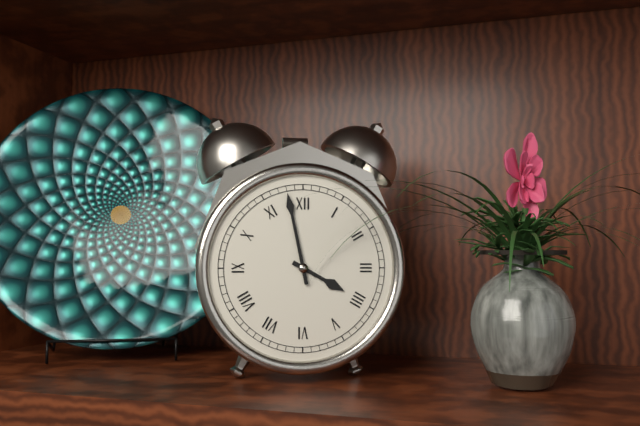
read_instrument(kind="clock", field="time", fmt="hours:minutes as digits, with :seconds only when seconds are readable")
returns 3:58
